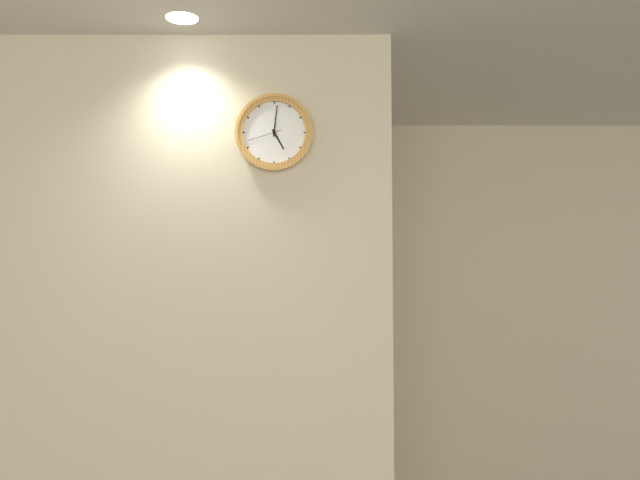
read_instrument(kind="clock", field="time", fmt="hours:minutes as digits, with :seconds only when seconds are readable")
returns 5:01
